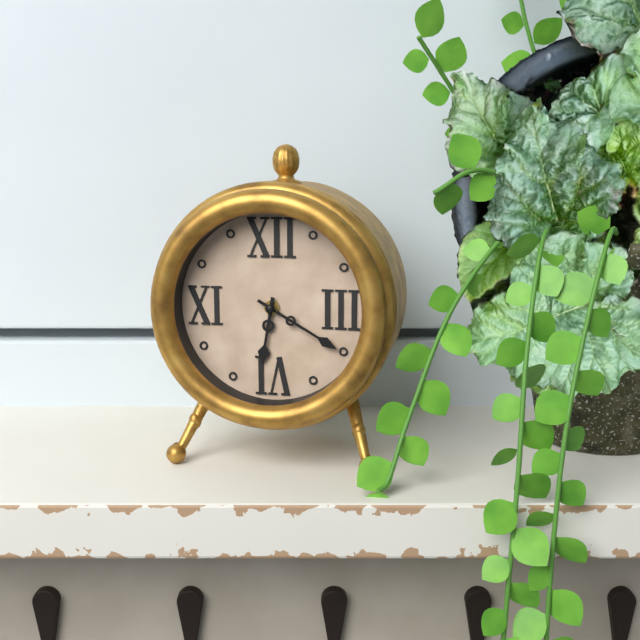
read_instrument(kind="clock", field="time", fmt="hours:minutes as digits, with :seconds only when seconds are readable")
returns 6:20
